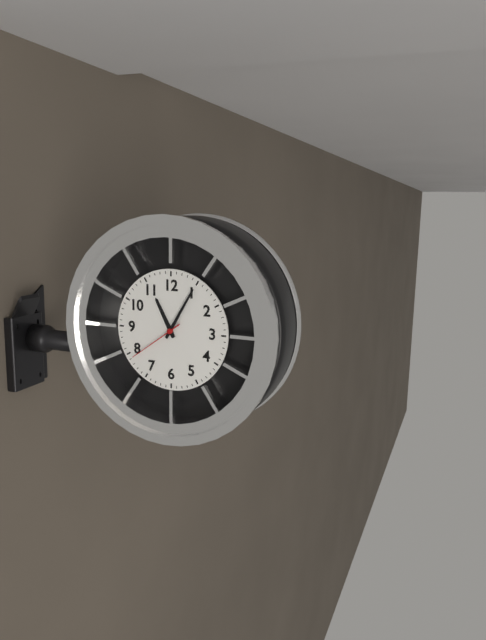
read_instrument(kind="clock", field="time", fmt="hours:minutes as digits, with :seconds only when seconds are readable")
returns 11:05:39
